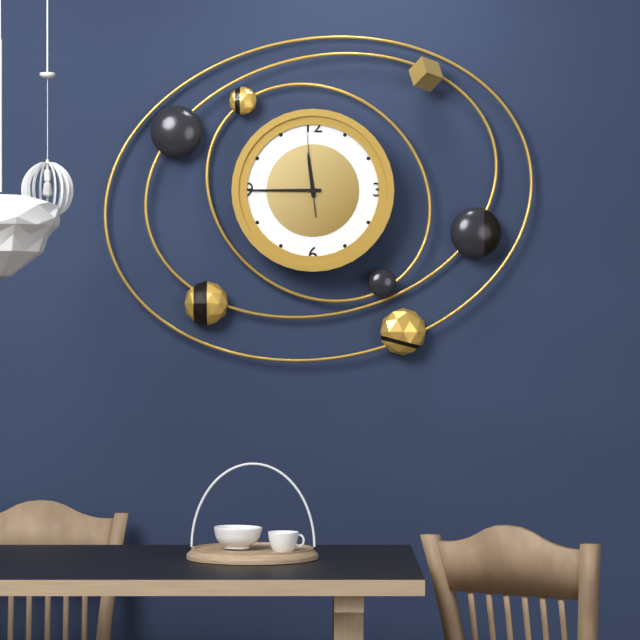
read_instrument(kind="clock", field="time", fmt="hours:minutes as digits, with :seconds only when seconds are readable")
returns 11:45:59
